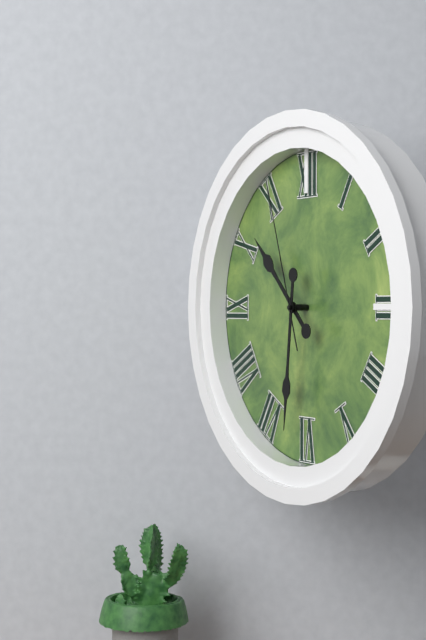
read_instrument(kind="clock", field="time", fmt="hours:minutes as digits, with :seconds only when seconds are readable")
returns 10:31:57
